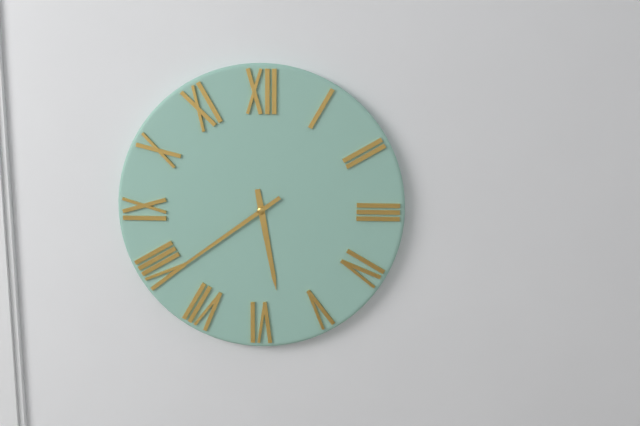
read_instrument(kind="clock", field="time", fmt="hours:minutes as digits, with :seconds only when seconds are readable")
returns 5:39
